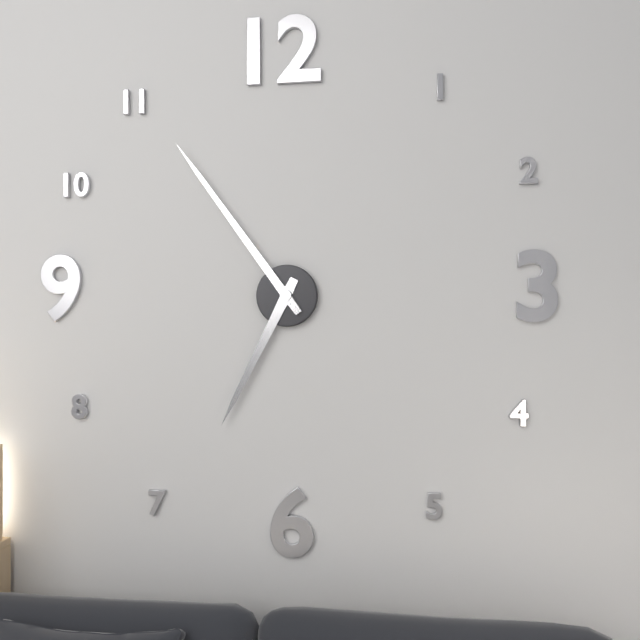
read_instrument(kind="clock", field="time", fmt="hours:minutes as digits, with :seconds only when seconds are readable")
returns 6:54
